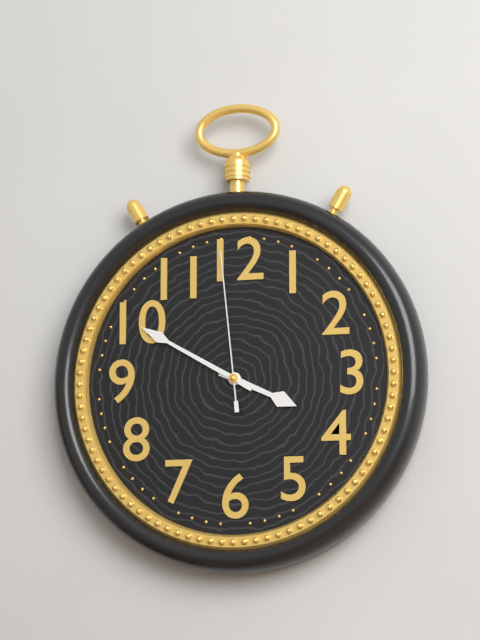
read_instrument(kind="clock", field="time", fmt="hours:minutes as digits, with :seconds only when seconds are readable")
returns 3:50:59
